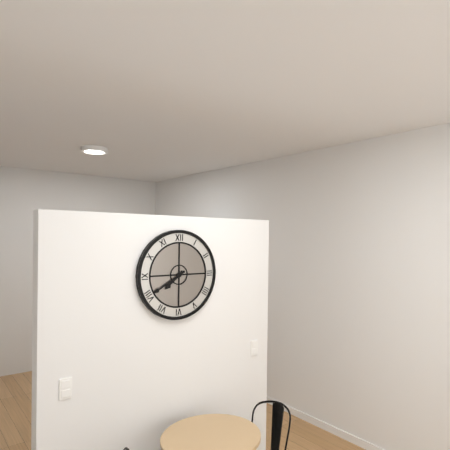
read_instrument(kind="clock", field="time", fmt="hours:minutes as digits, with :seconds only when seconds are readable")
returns 7:40
